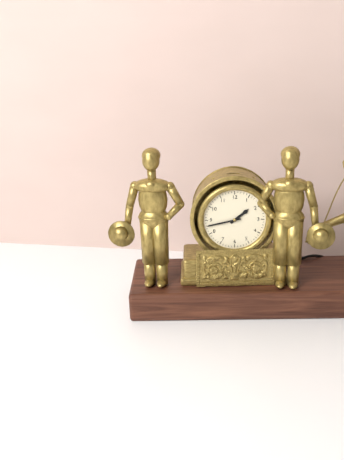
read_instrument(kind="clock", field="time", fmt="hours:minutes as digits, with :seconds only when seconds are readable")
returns 1:43
